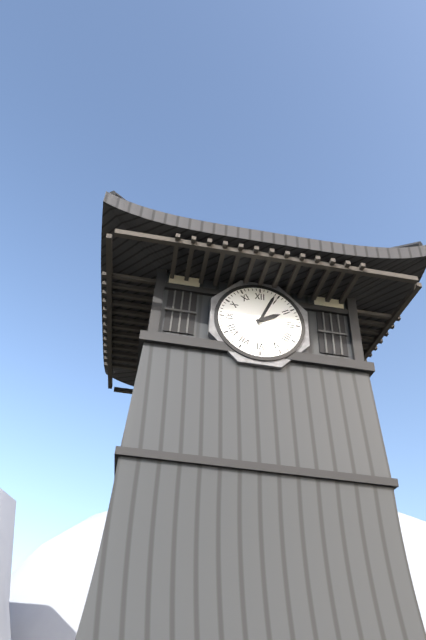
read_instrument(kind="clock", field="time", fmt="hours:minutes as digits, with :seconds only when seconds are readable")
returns 2:04
